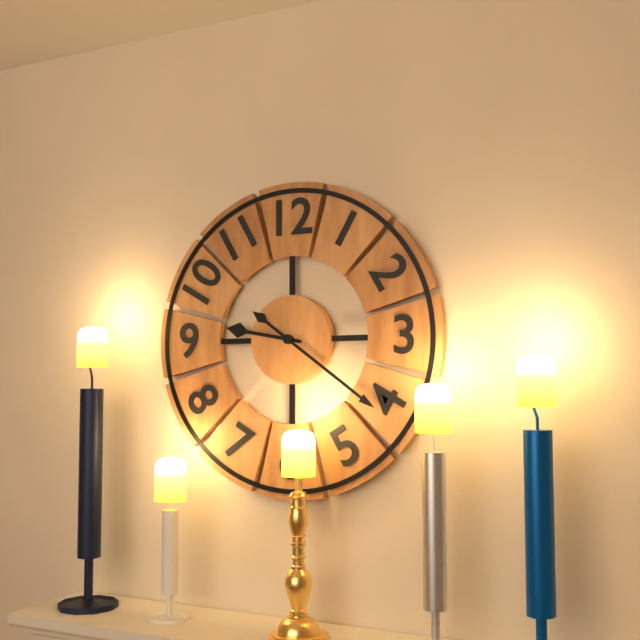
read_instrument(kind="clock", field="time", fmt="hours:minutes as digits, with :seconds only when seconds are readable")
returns 9:21
